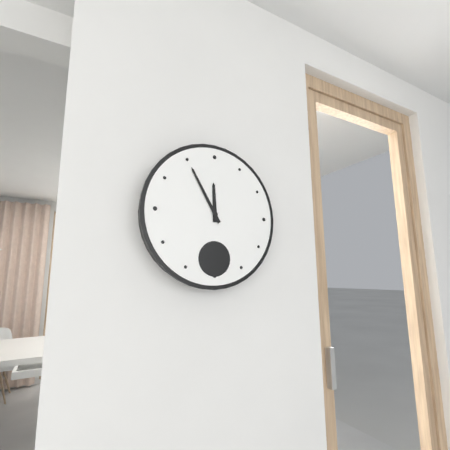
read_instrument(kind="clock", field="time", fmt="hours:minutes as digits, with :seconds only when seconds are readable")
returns 11:55
